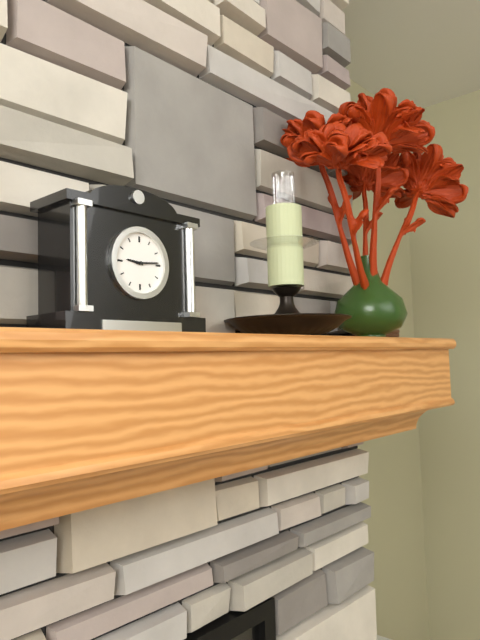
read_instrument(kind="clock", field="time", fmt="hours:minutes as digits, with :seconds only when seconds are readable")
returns 9:14
